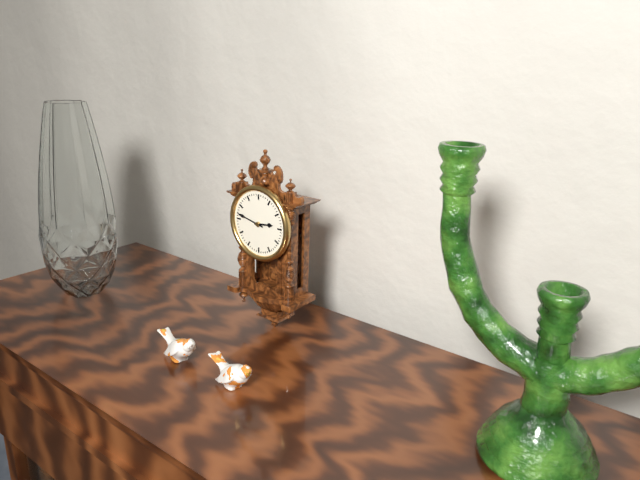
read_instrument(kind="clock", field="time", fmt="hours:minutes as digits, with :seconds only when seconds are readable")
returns 2:47
